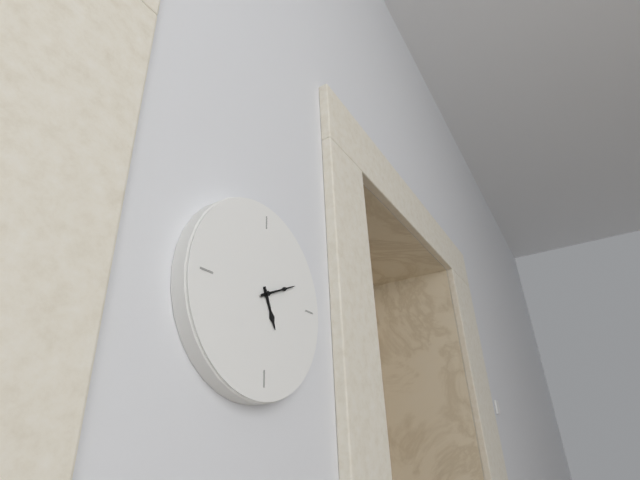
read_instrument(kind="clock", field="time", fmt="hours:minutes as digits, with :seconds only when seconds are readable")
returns 5:11
